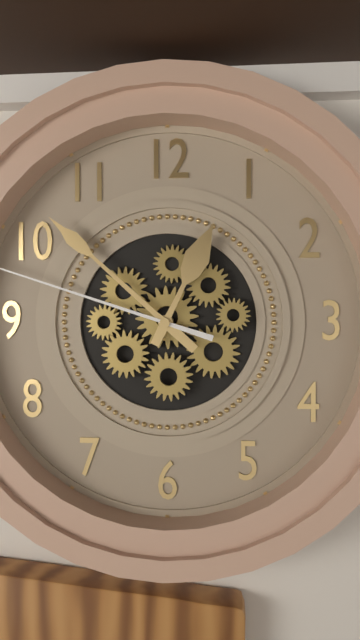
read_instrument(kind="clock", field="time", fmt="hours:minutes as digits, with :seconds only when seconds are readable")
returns 12:52
